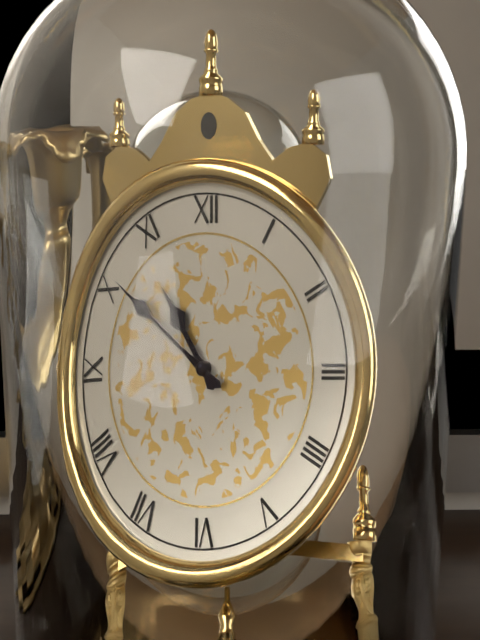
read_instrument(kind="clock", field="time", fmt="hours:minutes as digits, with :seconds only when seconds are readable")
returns 10:51
